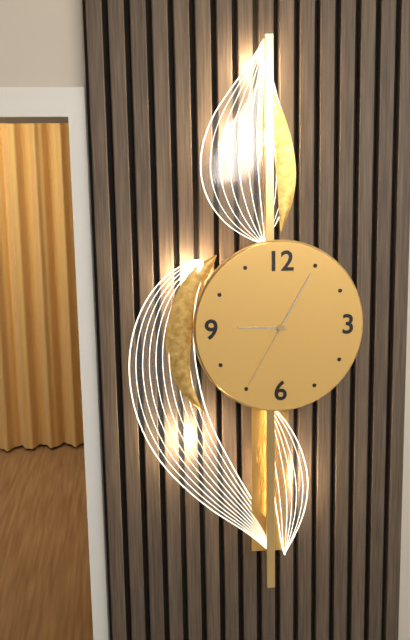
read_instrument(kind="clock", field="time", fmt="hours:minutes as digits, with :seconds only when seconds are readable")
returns 9:05:35
